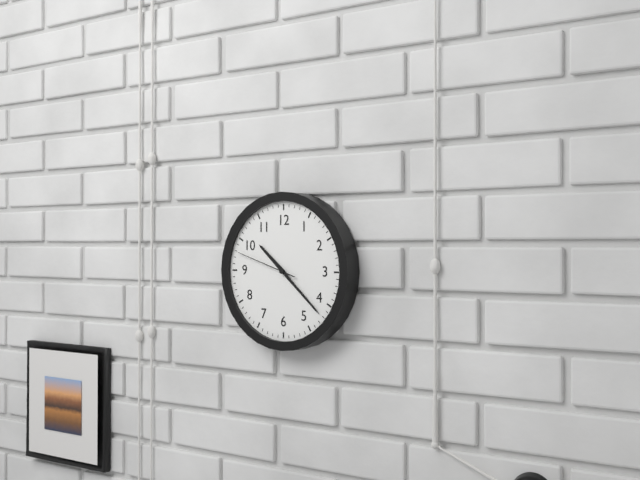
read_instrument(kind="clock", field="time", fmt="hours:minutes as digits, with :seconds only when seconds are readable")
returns 10:22:48
